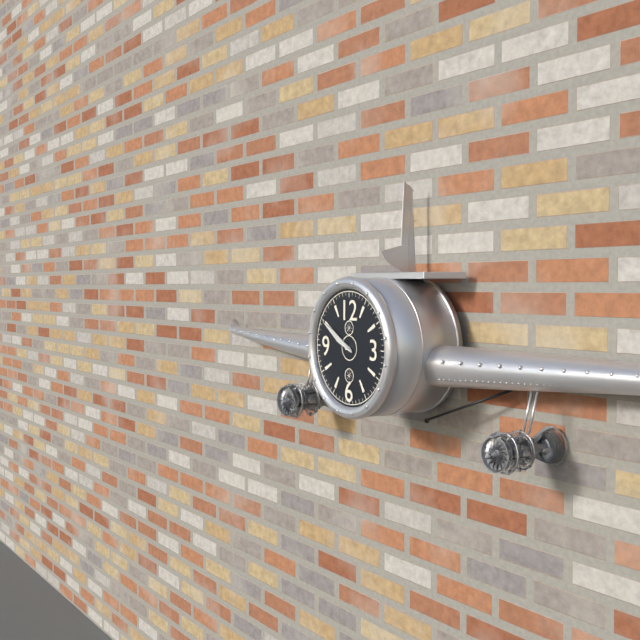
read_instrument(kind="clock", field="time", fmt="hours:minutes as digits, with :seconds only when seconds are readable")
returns 9:50
